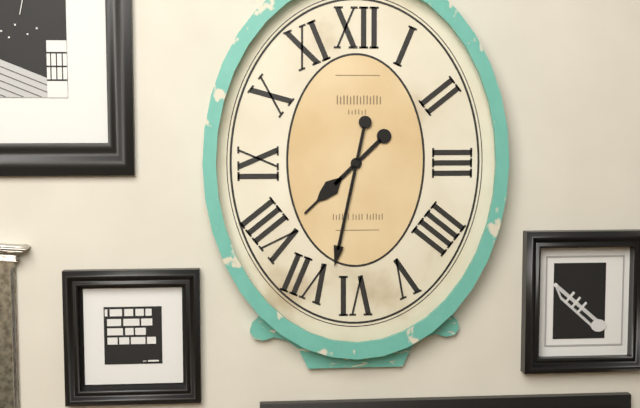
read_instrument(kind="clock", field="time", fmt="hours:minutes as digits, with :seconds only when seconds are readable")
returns 7:32
